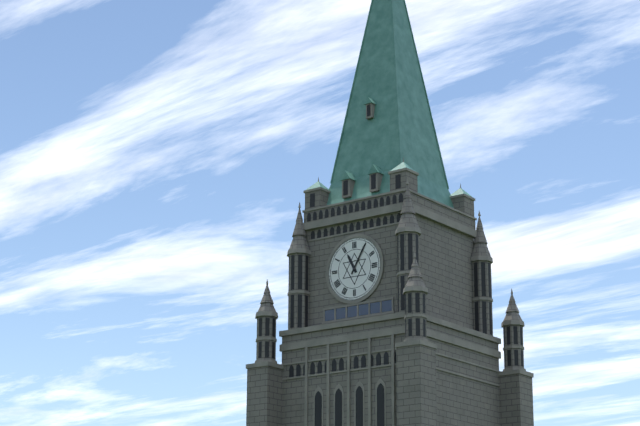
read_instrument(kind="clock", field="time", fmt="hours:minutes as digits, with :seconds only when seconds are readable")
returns 11:05
